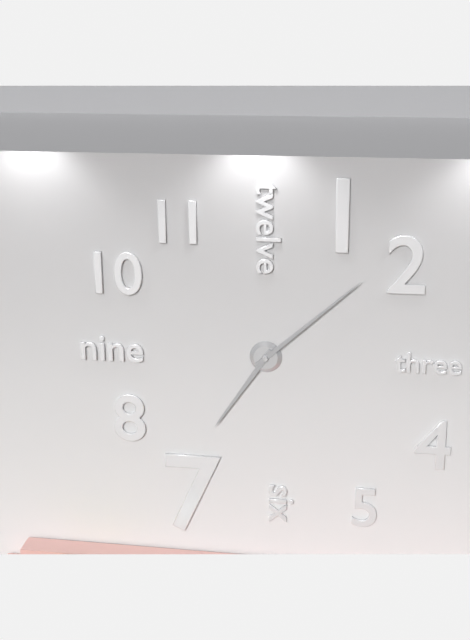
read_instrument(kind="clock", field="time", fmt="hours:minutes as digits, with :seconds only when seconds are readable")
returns 7:08
